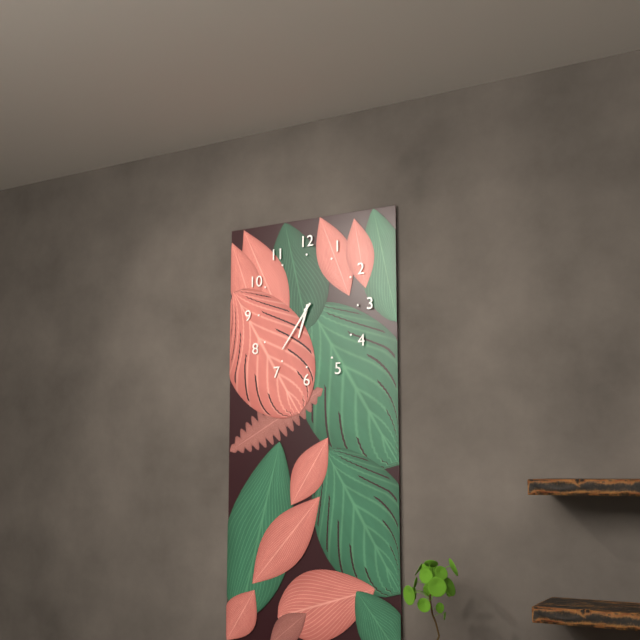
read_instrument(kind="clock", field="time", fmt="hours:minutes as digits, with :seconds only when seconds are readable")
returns 6:36
